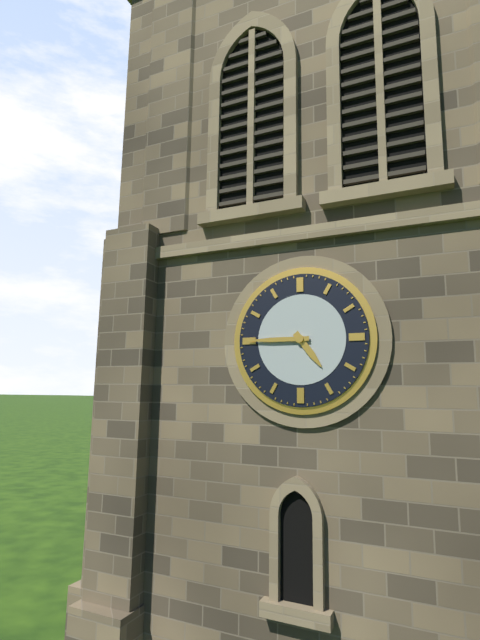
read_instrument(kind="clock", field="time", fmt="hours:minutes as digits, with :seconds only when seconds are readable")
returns 4:45
